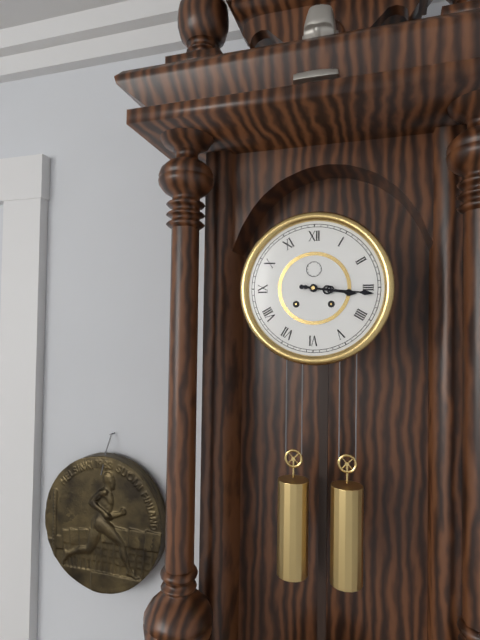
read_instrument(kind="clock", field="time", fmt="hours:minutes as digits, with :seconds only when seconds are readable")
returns 3:16
